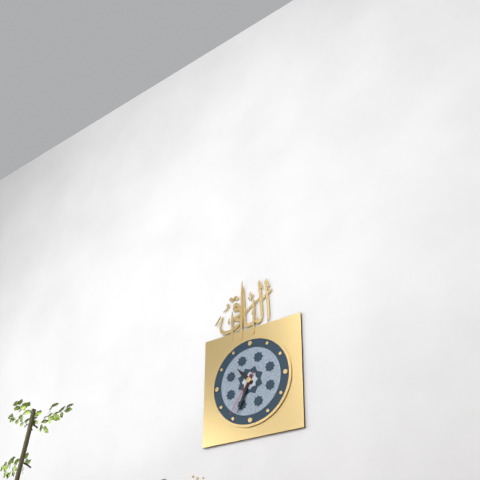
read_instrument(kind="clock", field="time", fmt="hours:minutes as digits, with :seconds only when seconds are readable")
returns 10:34
